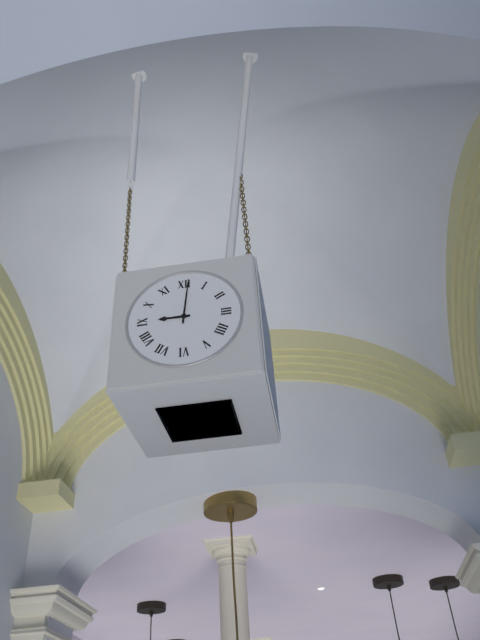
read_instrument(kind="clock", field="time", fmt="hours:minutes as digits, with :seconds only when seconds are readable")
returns 9:01
